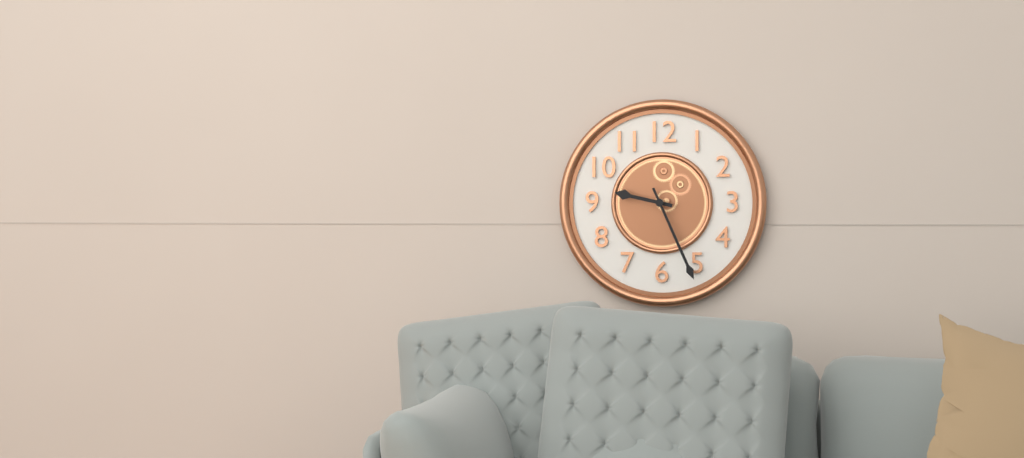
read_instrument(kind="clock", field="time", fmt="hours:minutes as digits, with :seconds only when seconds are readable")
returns 9:26
